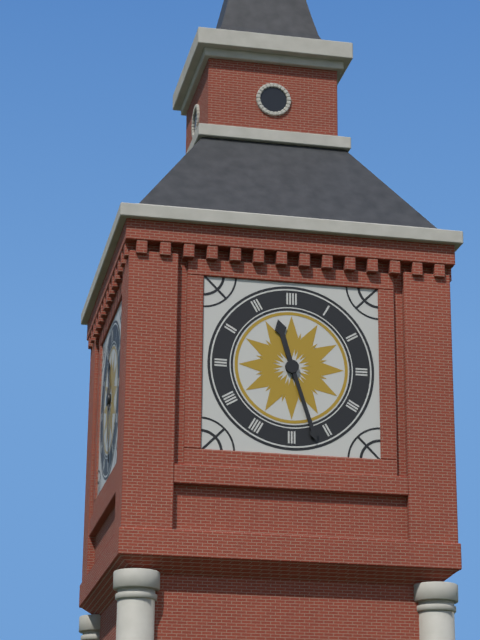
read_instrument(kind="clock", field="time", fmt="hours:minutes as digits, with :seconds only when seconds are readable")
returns 11:27
